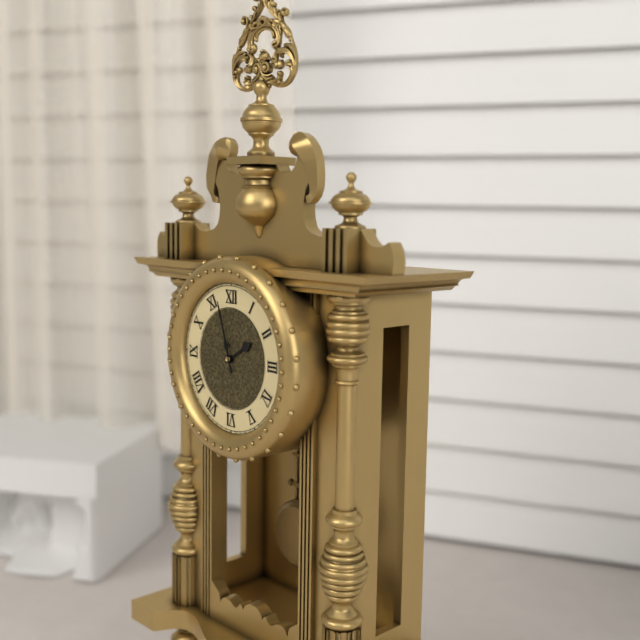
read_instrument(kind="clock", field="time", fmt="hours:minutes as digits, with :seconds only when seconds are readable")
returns 1:57
